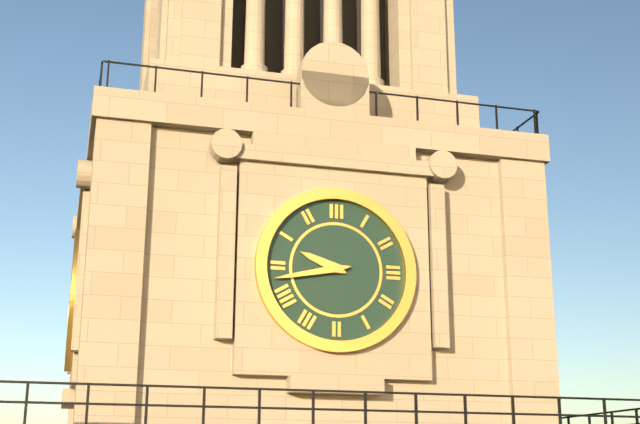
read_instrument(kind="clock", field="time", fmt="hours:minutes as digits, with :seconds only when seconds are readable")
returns 9:43
